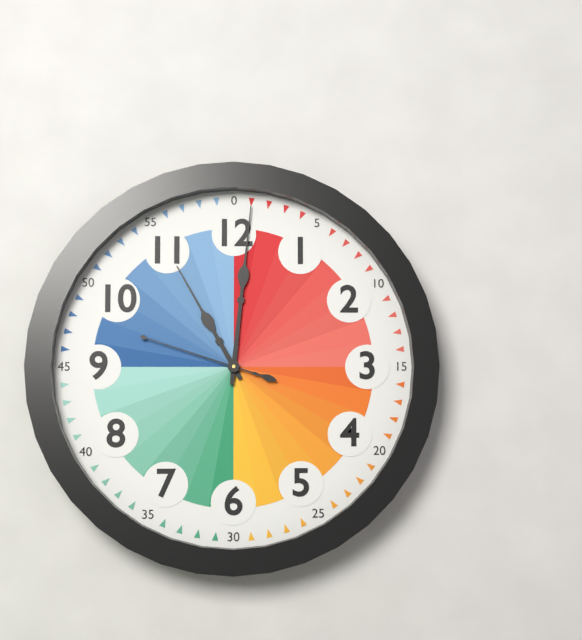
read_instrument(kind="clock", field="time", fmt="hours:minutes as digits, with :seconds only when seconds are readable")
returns 11:01:48
